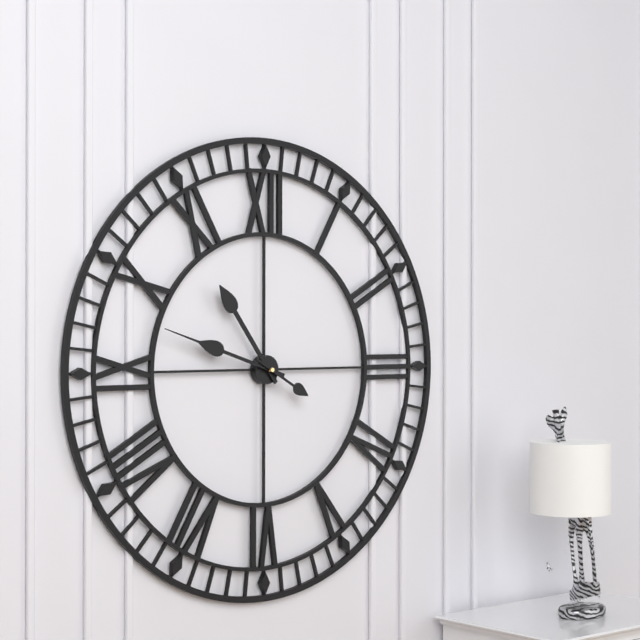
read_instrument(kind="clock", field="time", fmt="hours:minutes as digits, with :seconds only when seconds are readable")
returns 10:48:20
